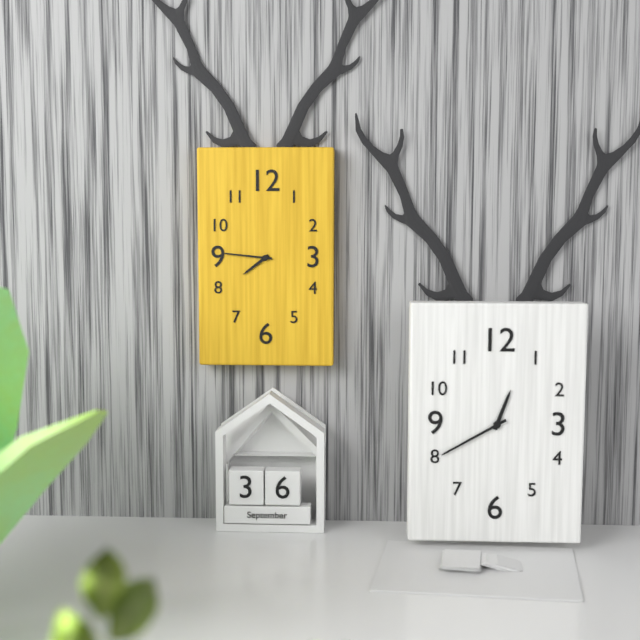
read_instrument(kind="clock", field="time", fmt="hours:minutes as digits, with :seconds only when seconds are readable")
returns 7:46
